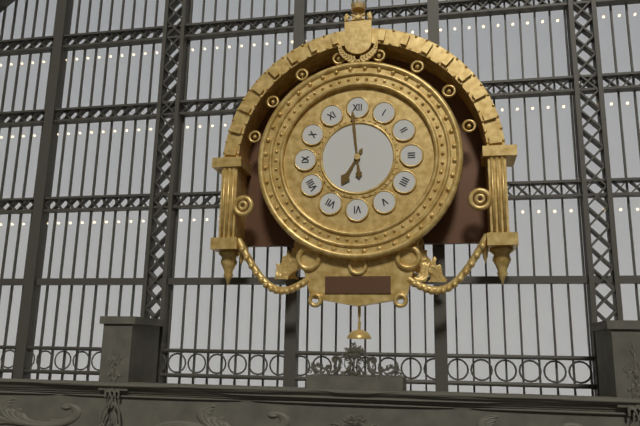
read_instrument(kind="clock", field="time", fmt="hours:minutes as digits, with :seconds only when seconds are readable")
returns 6:59
